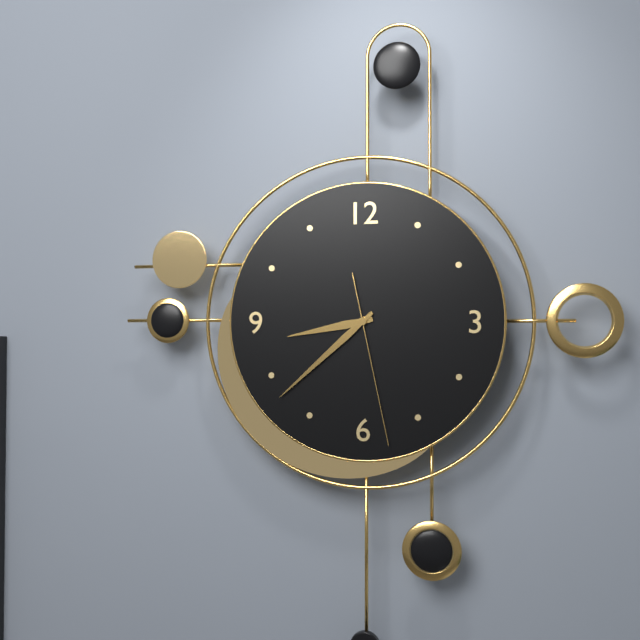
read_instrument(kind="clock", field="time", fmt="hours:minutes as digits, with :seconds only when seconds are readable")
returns 8:38:28
